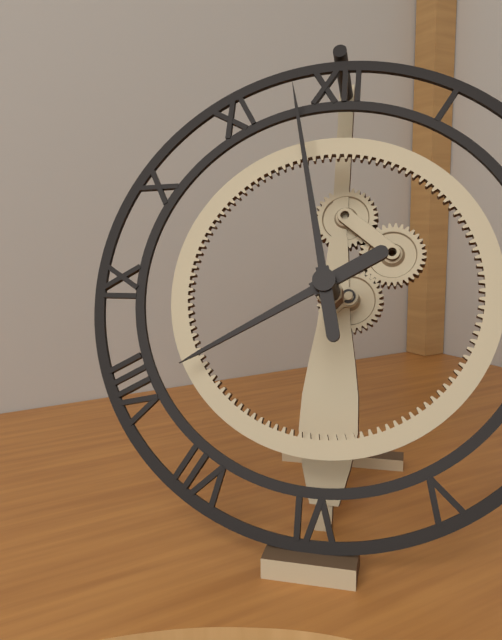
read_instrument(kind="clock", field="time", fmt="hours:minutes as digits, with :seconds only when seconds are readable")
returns 7:58
